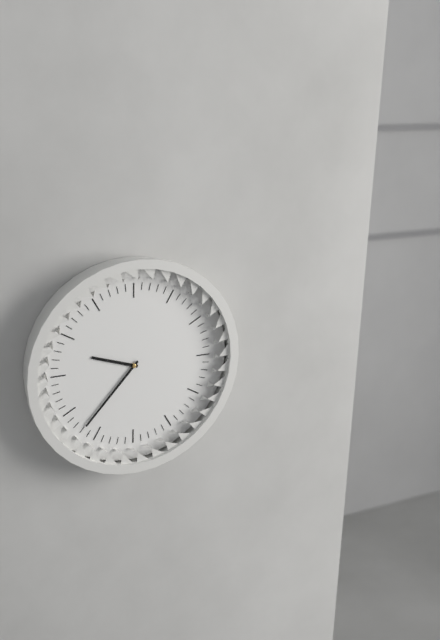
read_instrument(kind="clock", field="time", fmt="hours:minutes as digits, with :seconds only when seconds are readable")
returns 9:37
